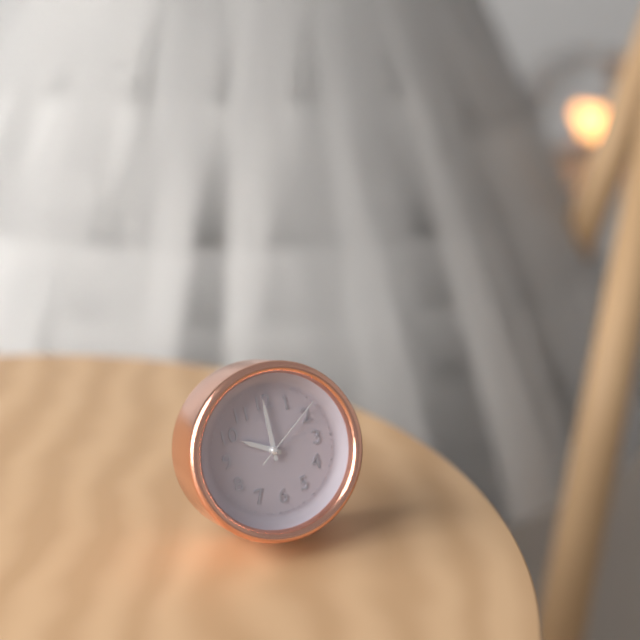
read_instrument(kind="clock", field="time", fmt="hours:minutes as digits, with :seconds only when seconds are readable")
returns 10:00:09
